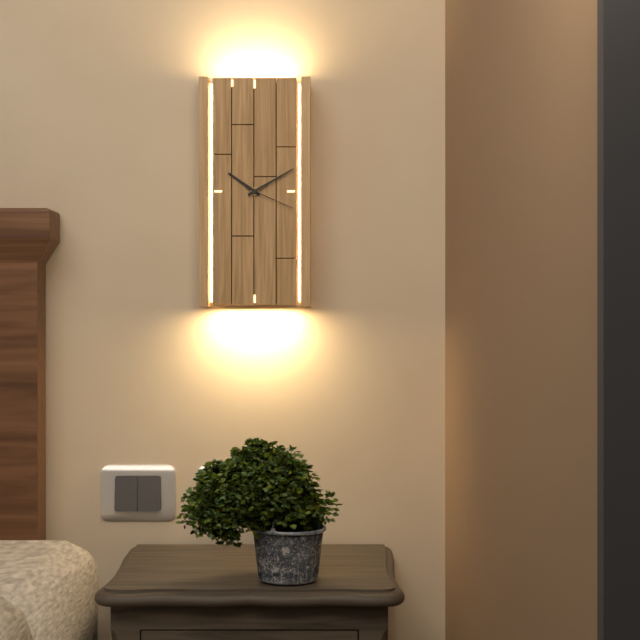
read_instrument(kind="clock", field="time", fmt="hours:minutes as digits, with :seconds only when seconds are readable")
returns 10:10:19
